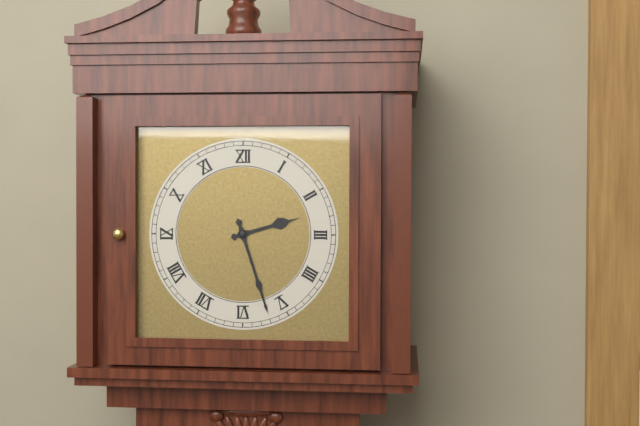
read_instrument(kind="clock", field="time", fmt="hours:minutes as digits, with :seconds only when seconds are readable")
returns 2:27
